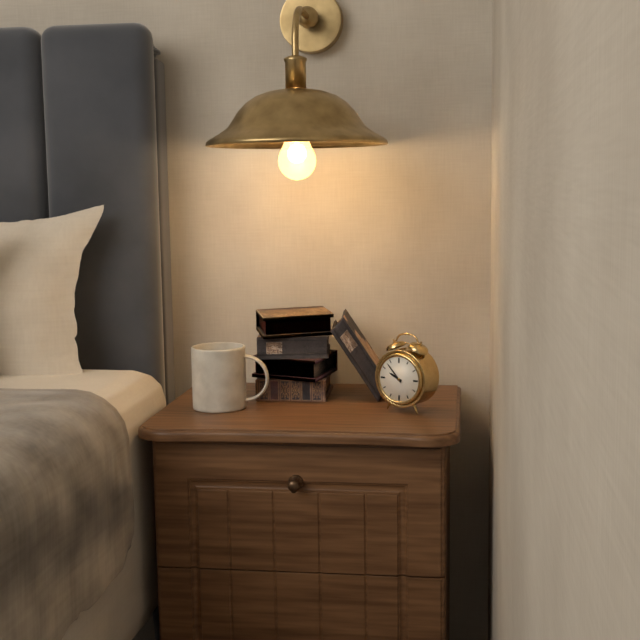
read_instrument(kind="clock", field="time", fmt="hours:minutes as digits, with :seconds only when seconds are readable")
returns 9:53
